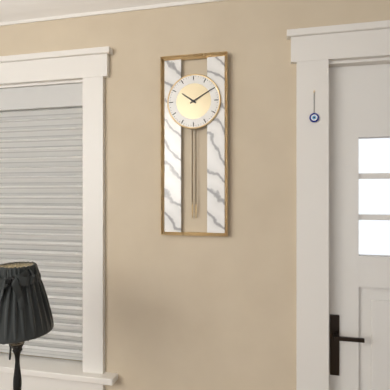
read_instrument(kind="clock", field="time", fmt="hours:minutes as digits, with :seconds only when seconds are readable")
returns 10:10
